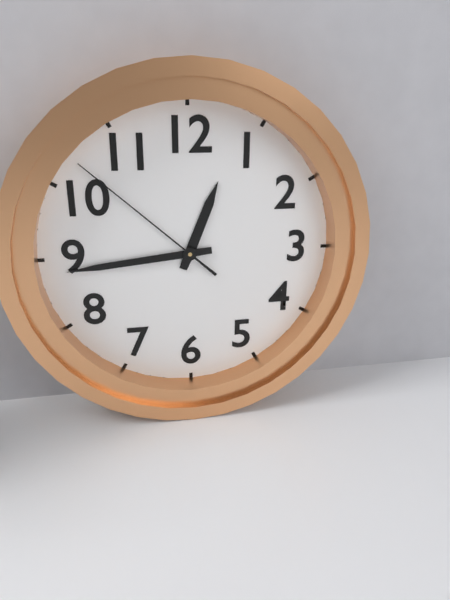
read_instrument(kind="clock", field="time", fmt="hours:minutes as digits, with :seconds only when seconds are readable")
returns 12:44:52
